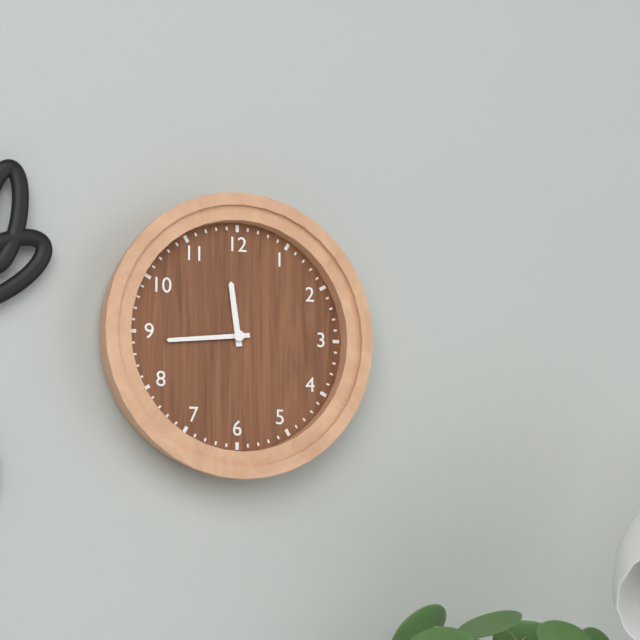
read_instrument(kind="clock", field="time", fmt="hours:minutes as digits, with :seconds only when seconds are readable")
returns 11:44
